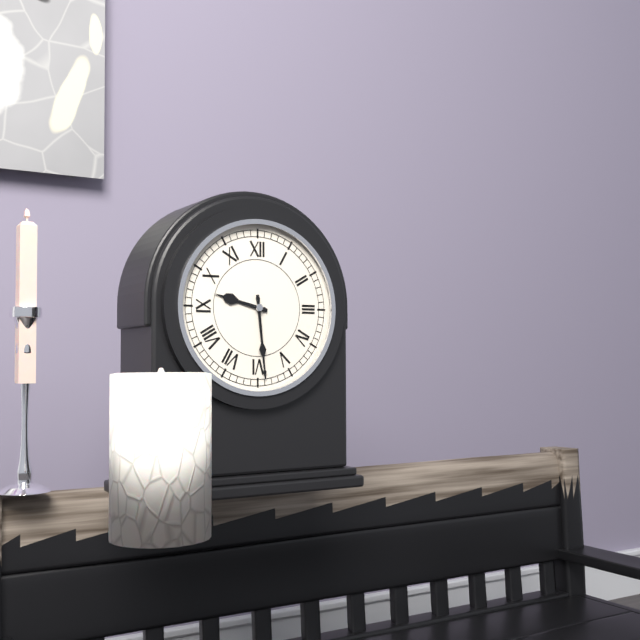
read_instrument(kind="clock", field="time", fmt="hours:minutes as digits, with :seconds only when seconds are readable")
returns 9:29
